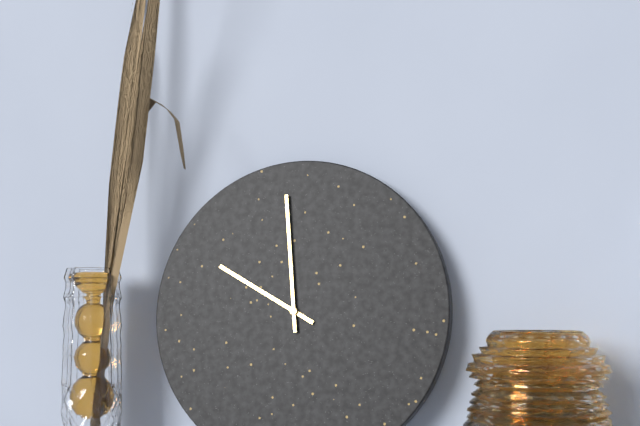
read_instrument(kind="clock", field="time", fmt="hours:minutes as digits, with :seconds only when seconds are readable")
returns 9:59
